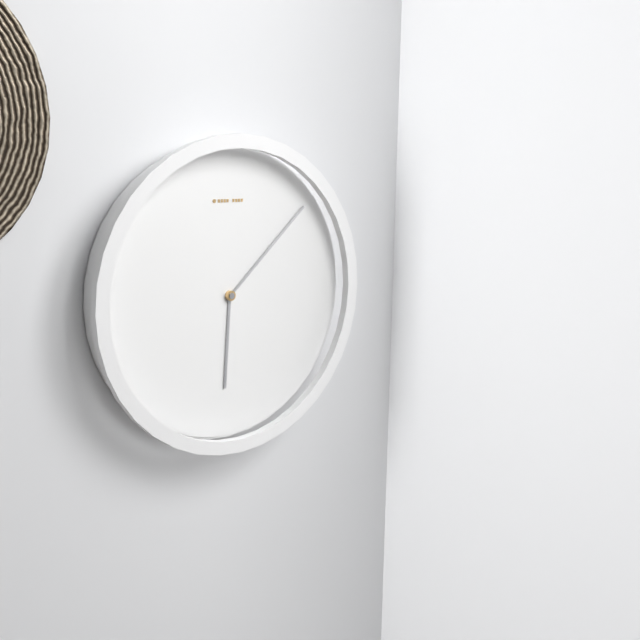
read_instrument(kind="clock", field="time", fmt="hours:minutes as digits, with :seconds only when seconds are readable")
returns 6:08
